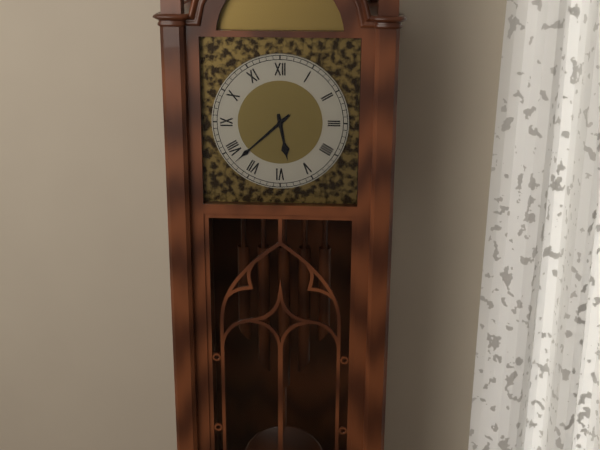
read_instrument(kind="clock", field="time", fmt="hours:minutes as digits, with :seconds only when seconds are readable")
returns 5:38
